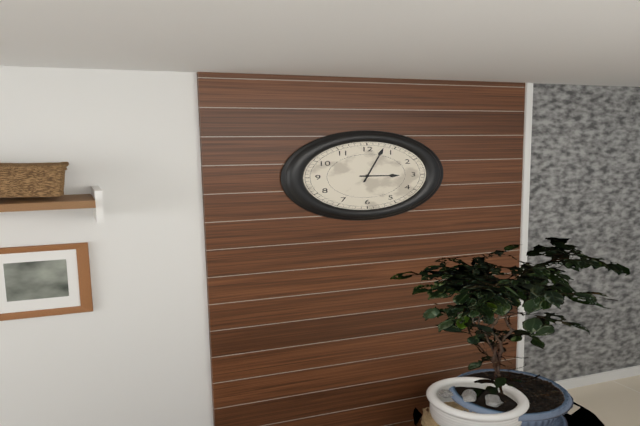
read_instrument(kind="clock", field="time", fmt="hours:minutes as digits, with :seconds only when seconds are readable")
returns 3:03
